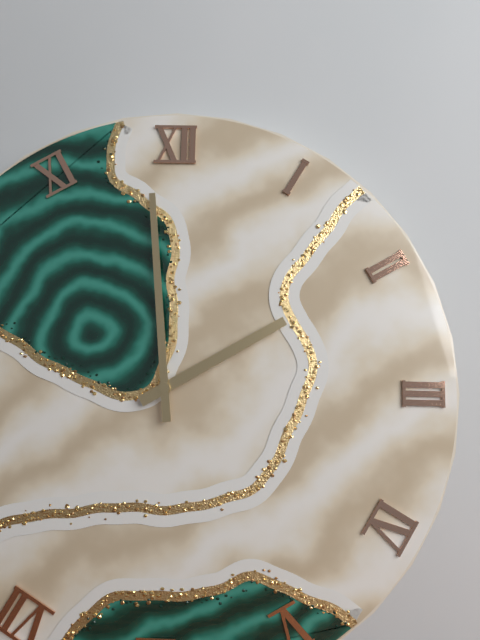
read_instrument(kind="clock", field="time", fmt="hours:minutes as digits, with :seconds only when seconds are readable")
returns 1:59
